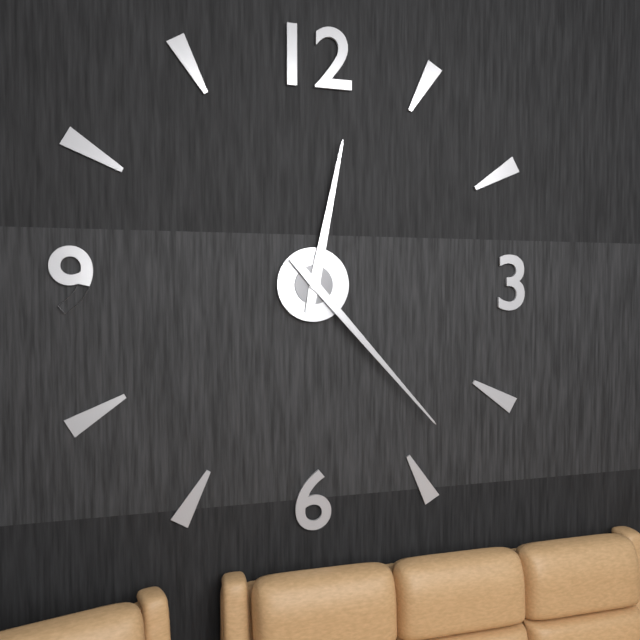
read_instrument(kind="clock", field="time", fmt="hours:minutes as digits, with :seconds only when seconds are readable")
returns 12:23
